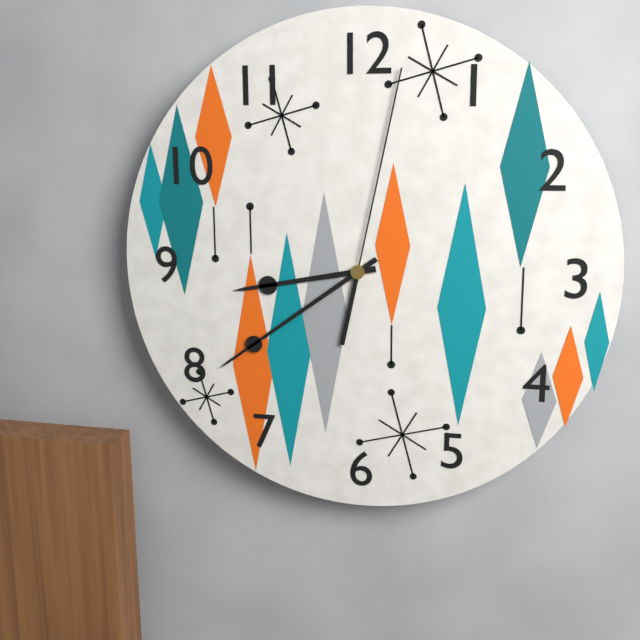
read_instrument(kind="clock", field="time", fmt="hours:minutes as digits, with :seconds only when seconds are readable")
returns 8:39:02
